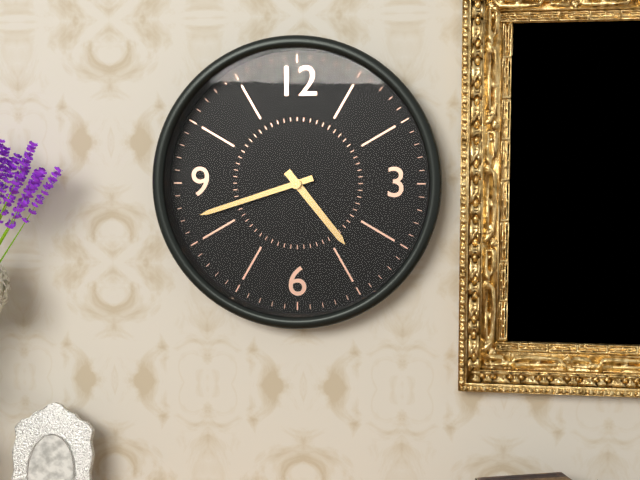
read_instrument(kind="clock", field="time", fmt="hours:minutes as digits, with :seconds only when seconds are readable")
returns 4:42
